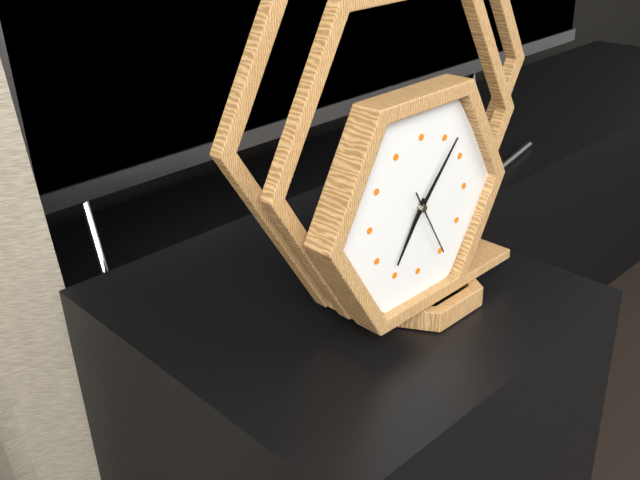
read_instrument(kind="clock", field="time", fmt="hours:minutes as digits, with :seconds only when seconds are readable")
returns 7:07:25
